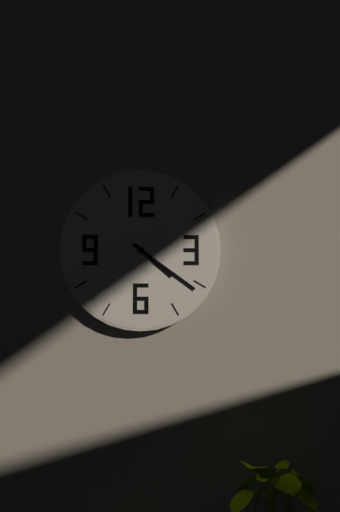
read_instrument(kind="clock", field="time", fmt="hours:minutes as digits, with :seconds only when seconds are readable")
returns 4:21
